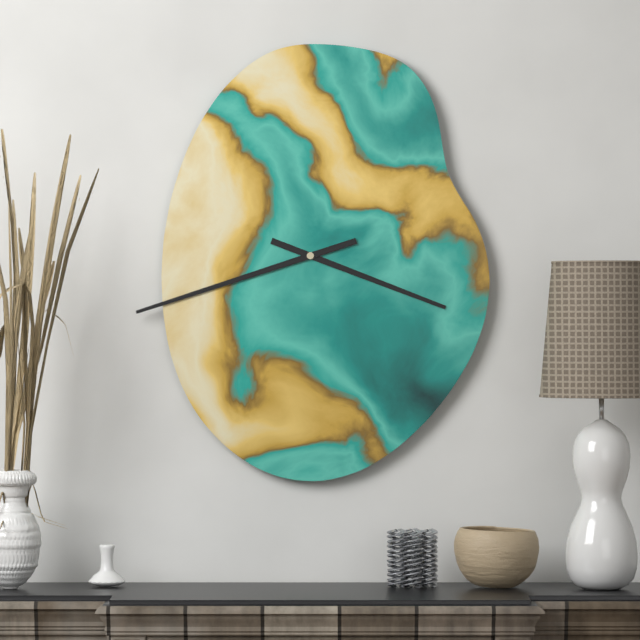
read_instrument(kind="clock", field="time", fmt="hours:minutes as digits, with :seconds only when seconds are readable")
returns 3:42
